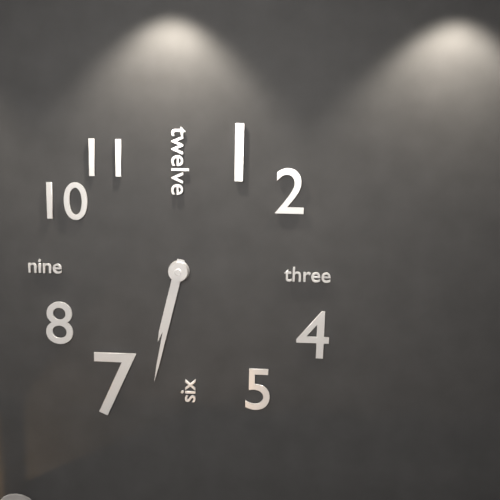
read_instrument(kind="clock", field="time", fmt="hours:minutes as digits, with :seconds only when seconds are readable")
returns 6:32
